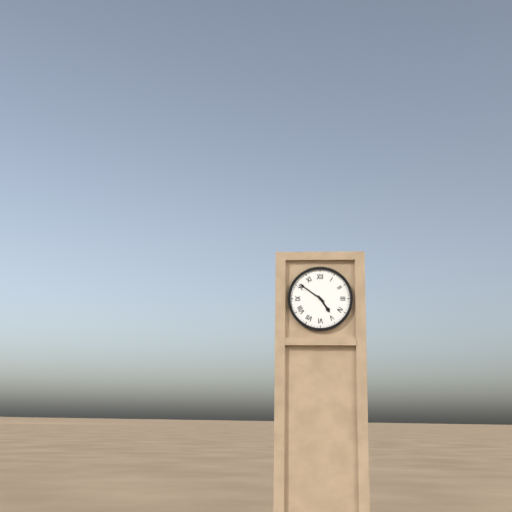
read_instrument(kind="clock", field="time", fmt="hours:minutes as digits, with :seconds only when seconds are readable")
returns 4:51
